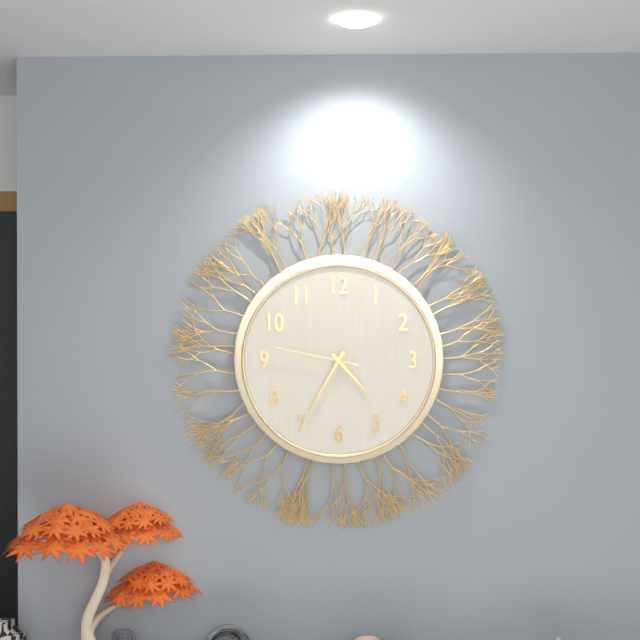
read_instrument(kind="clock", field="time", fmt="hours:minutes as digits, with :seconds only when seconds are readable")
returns 4:35:47
